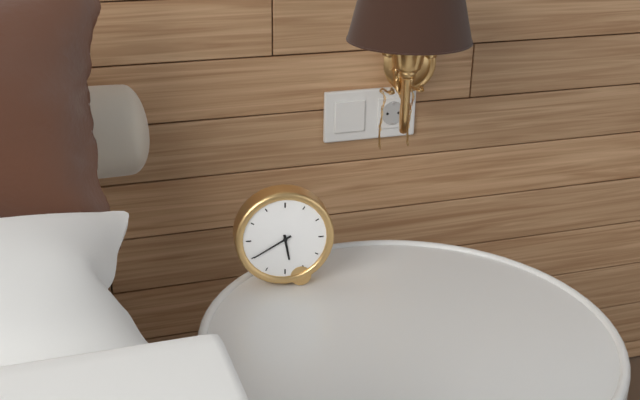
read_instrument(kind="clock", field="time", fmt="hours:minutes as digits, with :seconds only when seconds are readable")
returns 5:40
